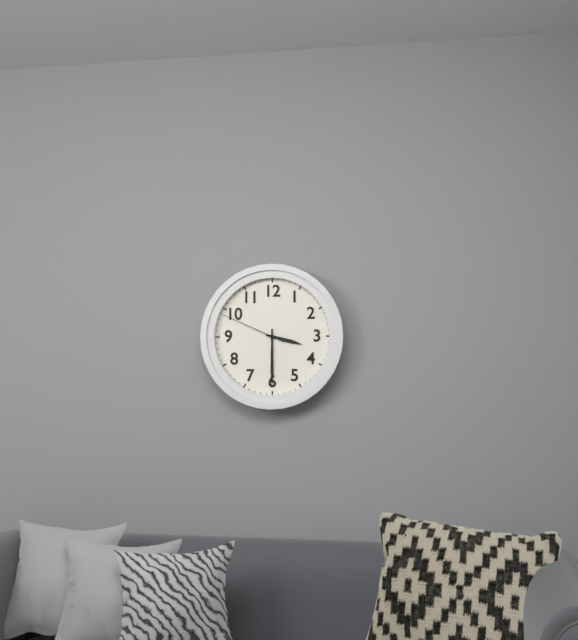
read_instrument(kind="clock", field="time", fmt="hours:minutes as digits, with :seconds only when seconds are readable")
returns 3:30:49
